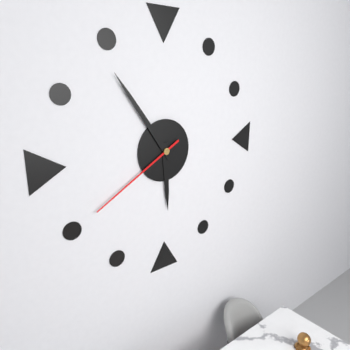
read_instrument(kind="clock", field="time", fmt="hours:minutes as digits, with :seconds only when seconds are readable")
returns 5:54:40
